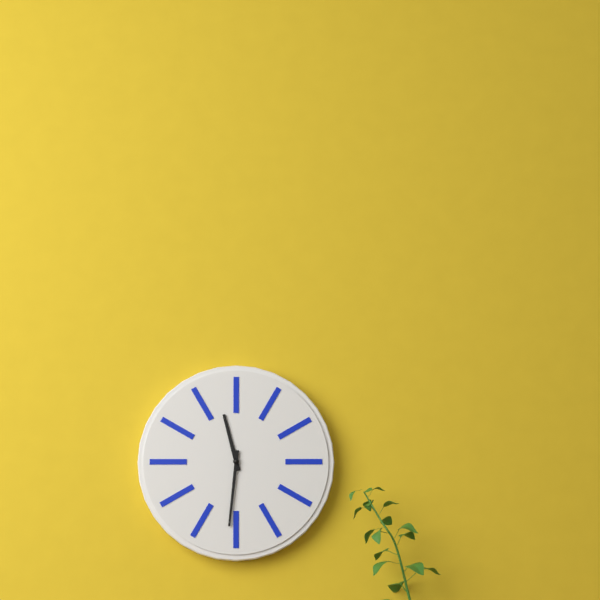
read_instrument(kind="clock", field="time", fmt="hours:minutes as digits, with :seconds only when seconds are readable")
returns 11:31
